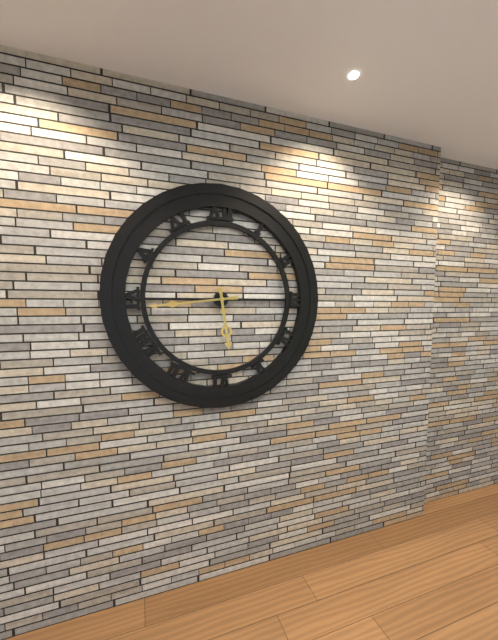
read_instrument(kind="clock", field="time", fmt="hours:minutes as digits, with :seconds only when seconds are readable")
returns 5:44
